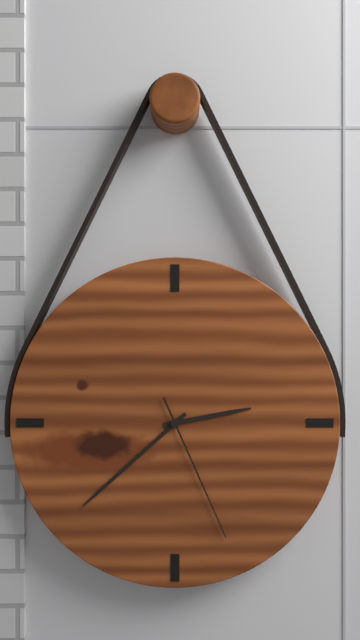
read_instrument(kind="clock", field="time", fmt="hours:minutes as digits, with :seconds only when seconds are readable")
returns 2:38:26
